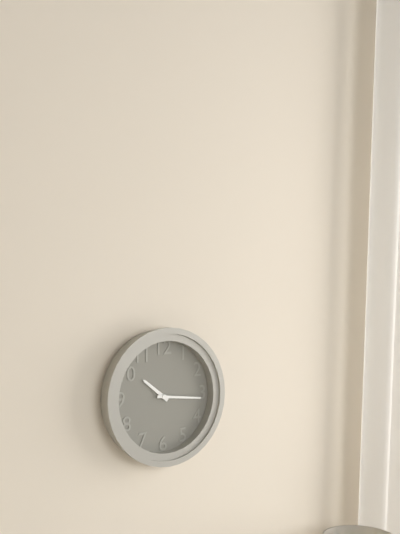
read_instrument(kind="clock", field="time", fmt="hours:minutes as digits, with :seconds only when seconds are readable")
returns 10:16
